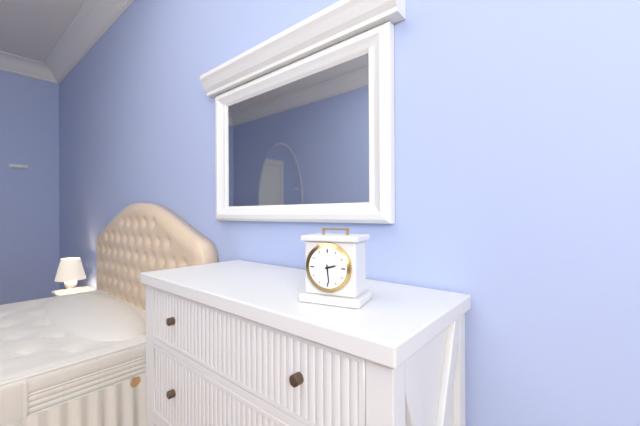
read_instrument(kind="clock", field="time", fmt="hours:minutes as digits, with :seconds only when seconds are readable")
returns 2:29
